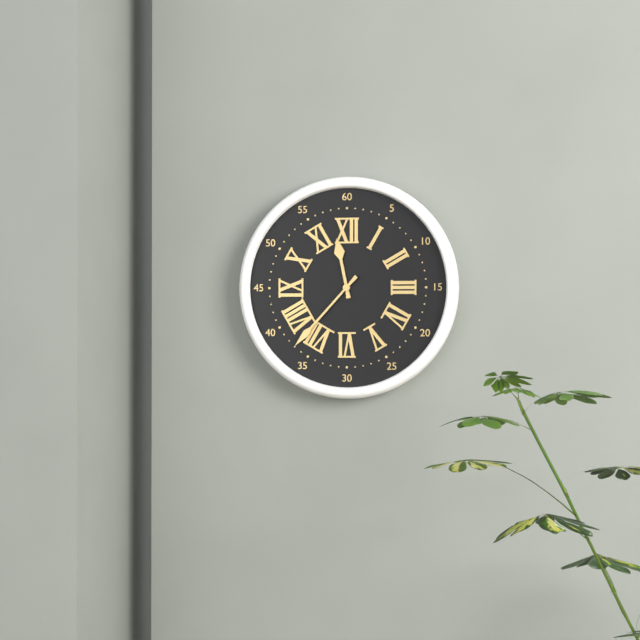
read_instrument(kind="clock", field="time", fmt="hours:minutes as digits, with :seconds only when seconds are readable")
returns 11:37
